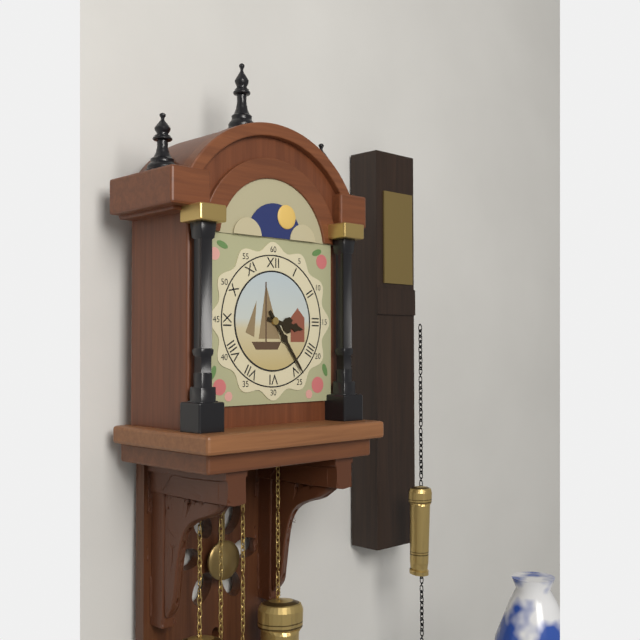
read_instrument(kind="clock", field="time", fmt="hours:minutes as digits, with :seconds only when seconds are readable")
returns 3:24
